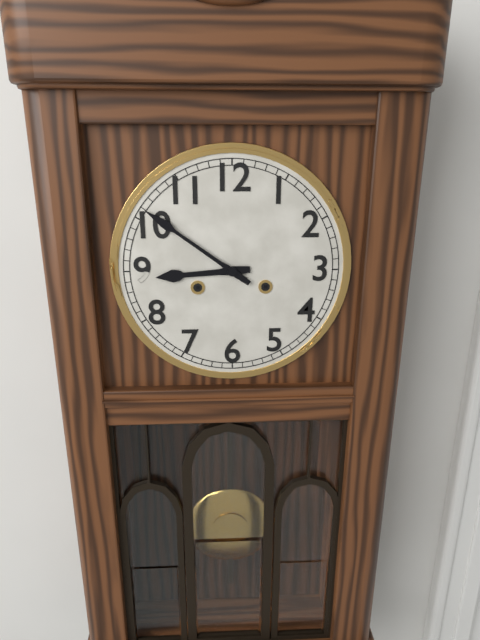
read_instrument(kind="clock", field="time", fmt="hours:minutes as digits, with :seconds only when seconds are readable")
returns 8:51
